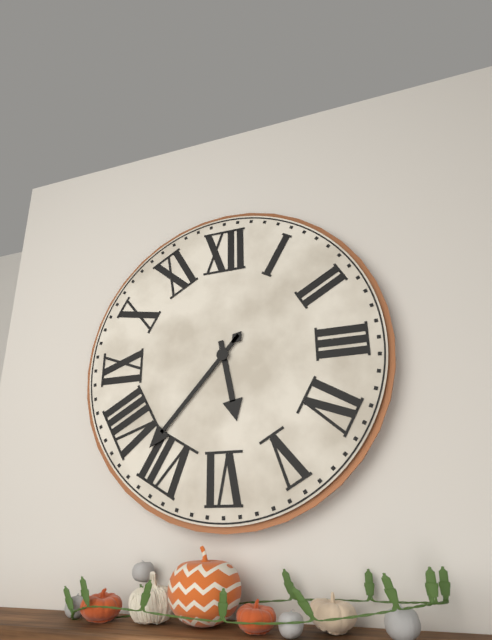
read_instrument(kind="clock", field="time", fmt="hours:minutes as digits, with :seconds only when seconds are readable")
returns 5:37
